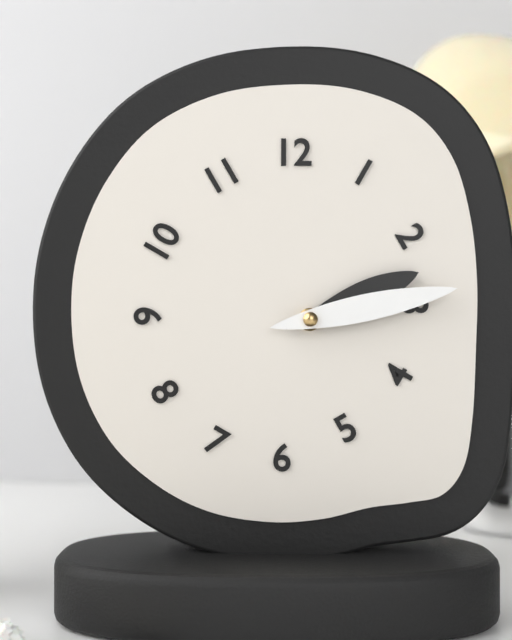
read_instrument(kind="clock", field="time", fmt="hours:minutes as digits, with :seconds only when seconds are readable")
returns 2:13
